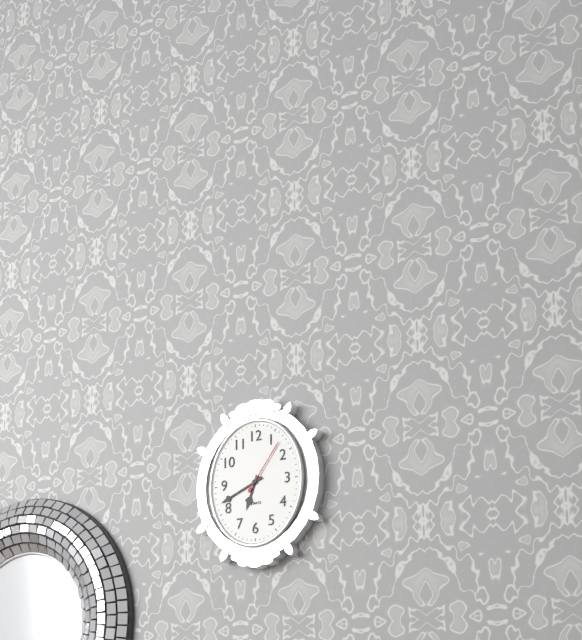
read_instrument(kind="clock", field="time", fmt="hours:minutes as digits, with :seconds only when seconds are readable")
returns 6:41:06
